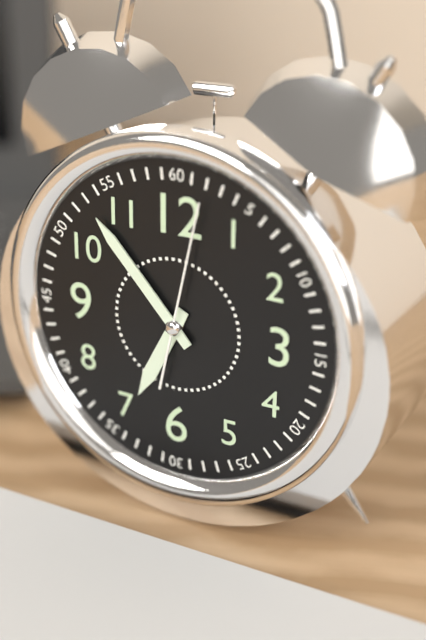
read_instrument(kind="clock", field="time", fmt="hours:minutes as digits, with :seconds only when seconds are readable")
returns 6:53:02
